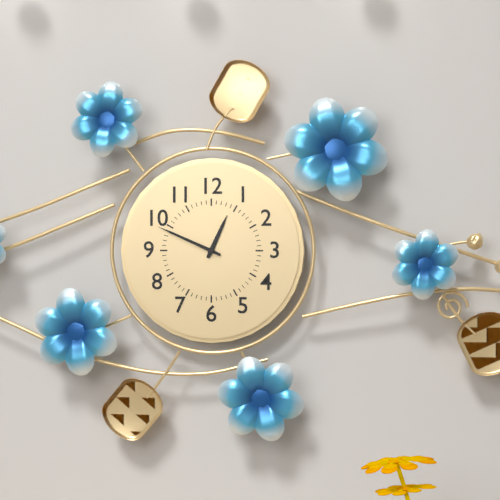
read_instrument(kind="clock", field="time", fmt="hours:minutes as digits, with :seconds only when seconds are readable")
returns 12:49
